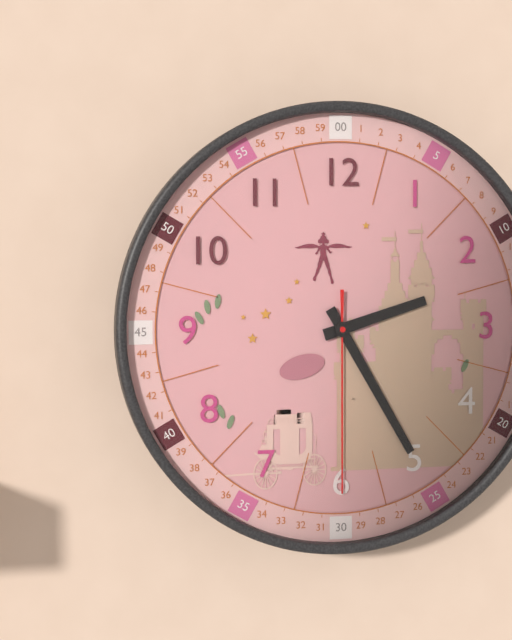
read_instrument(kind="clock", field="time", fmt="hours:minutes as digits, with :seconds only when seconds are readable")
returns 2:25:30
